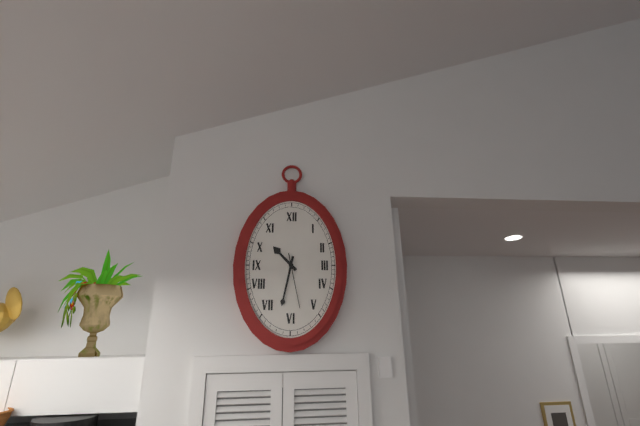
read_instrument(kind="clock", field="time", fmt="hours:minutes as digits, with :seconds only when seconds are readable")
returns 10:32:28
